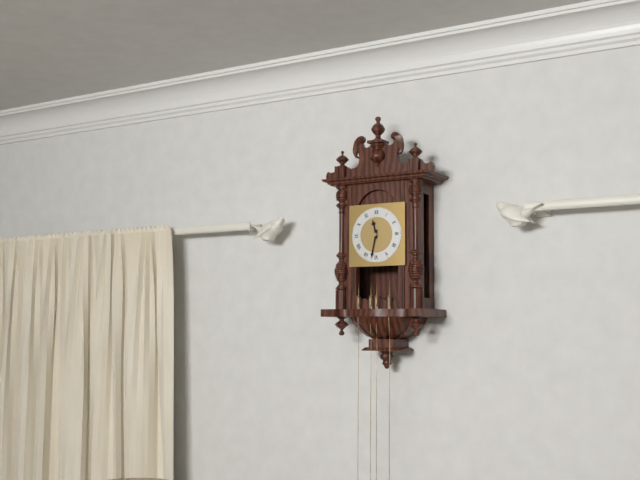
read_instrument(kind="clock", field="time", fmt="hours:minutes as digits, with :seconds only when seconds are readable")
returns 11:32
